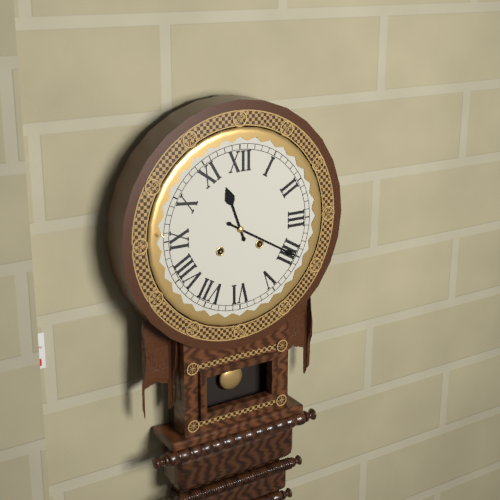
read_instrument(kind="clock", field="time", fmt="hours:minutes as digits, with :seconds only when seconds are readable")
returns 11:20
